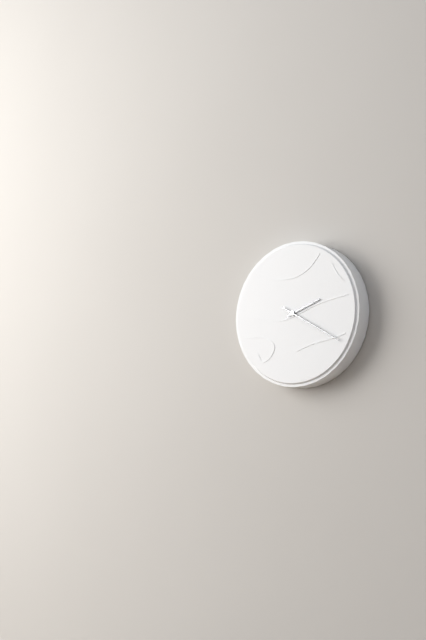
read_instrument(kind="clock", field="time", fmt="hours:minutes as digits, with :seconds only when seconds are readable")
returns 2:20
